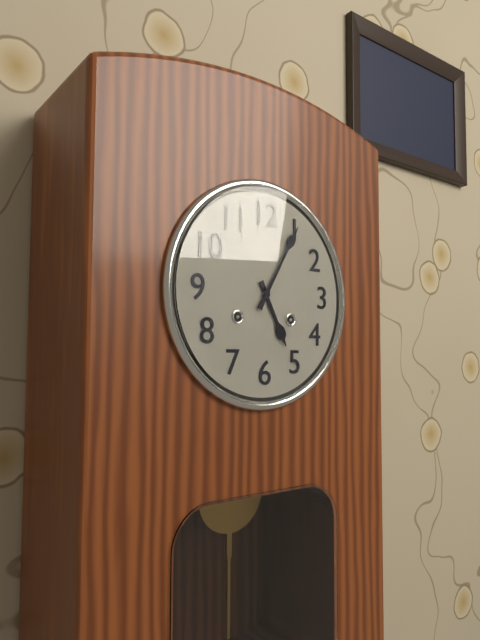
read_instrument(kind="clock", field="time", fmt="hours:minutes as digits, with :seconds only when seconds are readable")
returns 5:05
